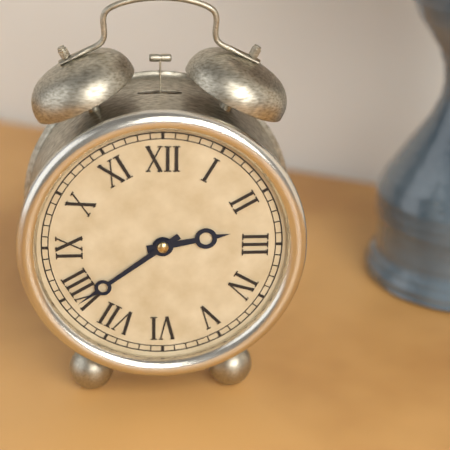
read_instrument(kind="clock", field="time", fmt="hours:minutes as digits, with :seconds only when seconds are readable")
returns 2:39
